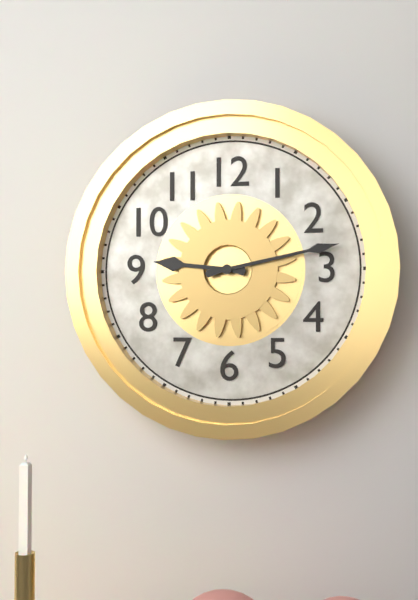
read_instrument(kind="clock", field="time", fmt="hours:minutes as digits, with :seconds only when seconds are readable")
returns 9:13
